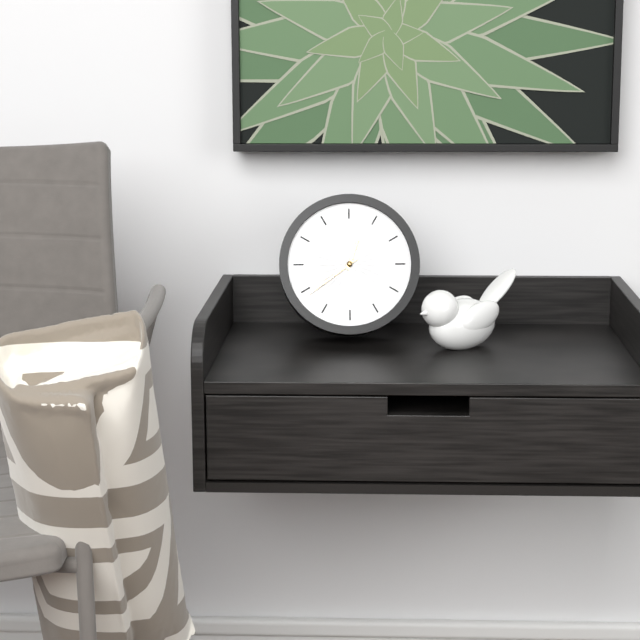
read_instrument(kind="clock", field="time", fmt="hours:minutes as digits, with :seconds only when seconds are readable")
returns 12:39
